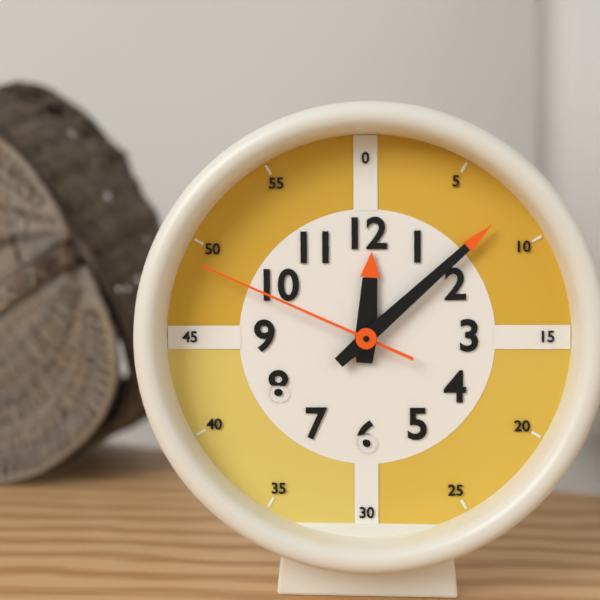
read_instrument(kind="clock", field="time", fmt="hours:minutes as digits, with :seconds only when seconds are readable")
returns 12:08:49
